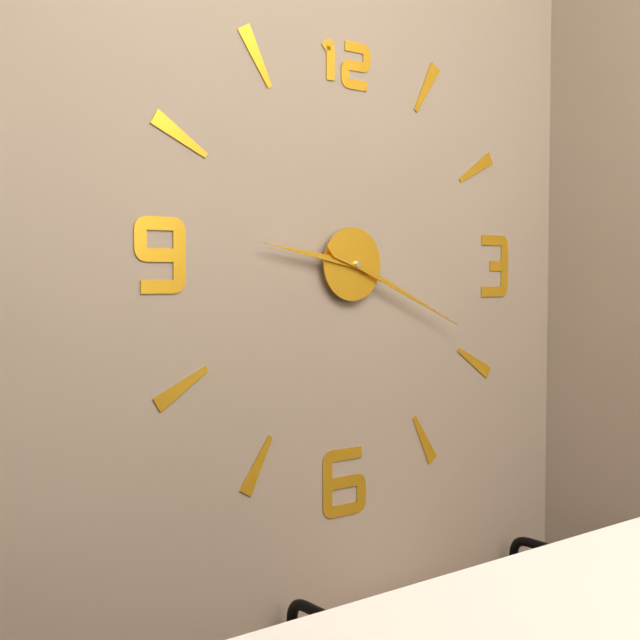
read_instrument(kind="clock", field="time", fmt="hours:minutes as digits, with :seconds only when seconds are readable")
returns 9:19
